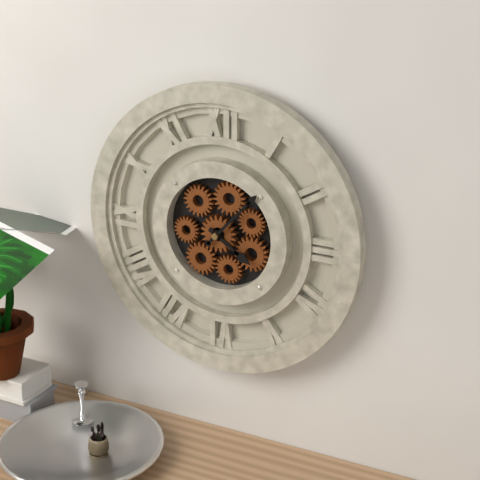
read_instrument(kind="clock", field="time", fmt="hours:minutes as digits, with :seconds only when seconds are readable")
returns 4:07
